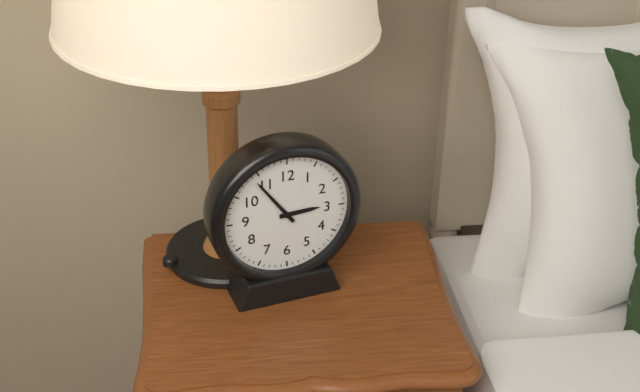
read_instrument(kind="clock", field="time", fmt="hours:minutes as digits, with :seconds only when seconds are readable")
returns 2:54
